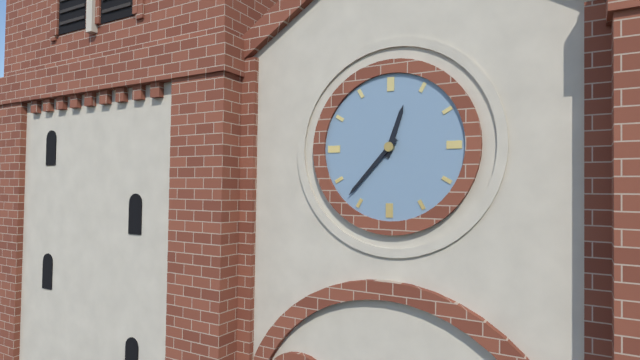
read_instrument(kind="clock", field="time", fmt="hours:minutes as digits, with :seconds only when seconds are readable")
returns 12:37
